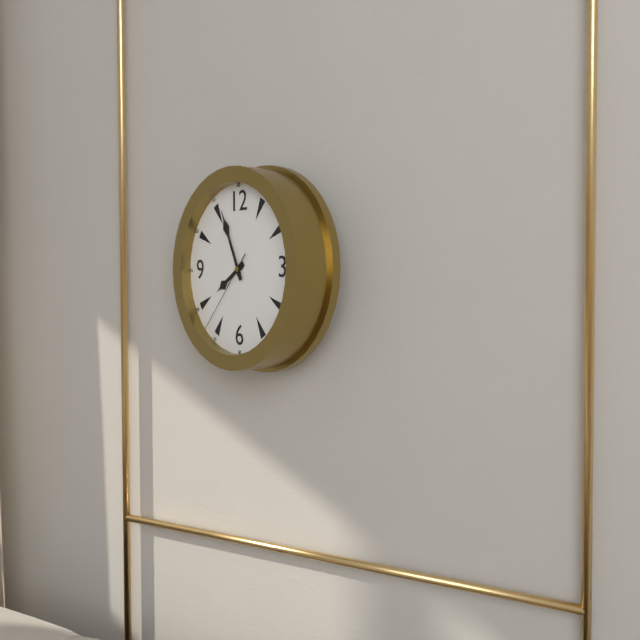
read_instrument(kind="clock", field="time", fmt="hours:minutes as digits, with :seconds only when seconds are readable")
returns 7:56:37
